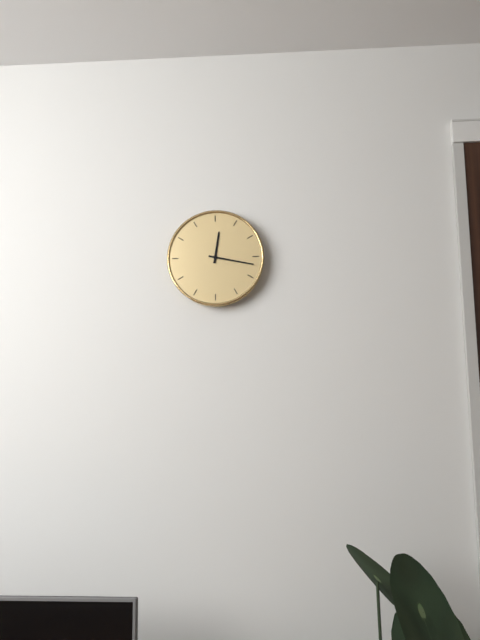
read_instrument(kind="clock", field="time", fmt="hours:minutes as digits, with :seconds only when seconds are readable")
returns 12:17
